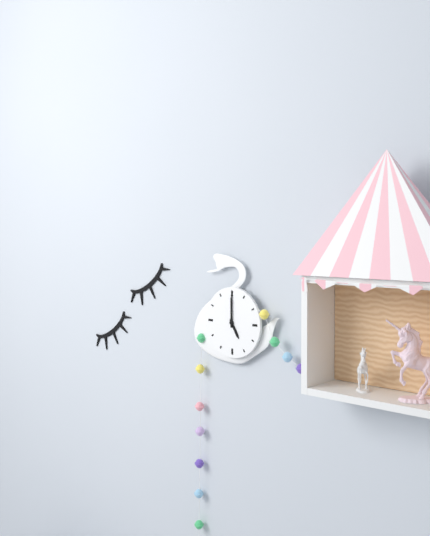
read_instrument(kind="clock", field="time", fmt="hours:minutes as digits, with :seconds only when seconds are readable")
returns 5:00
